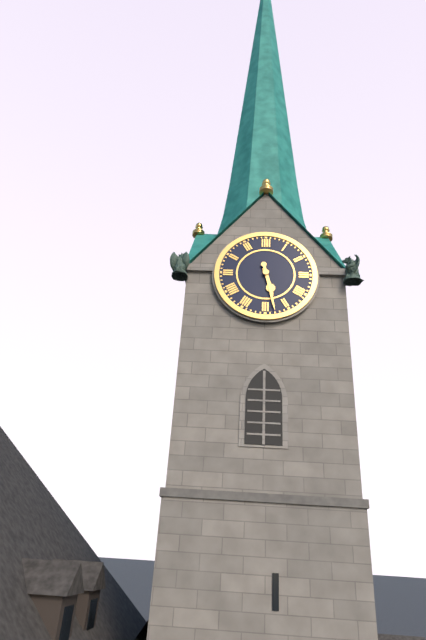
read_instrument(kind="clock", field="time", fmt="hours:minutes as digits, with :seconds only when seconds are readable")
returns 5:28
